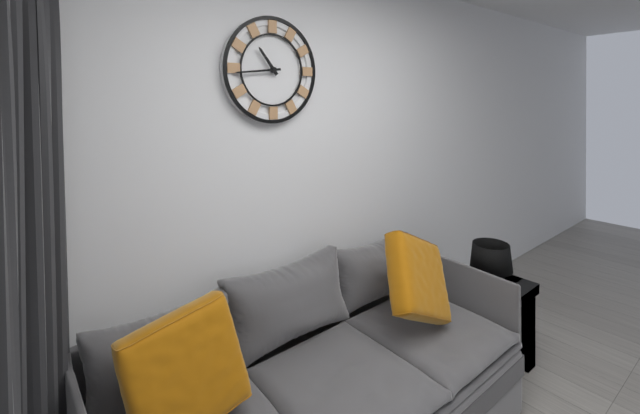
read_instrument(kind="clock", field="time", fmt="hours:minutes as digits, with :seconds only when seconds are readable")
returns 10:44
